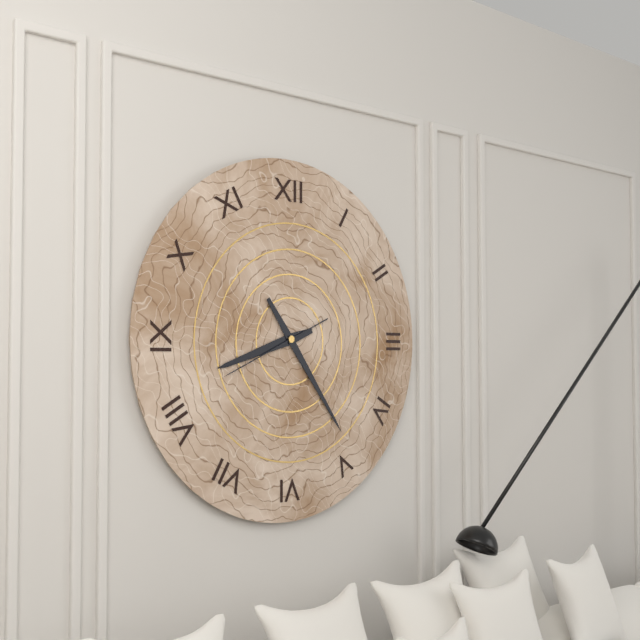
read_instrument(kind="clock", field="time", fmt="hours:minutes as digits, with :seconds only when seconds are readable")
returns 8:24:41
